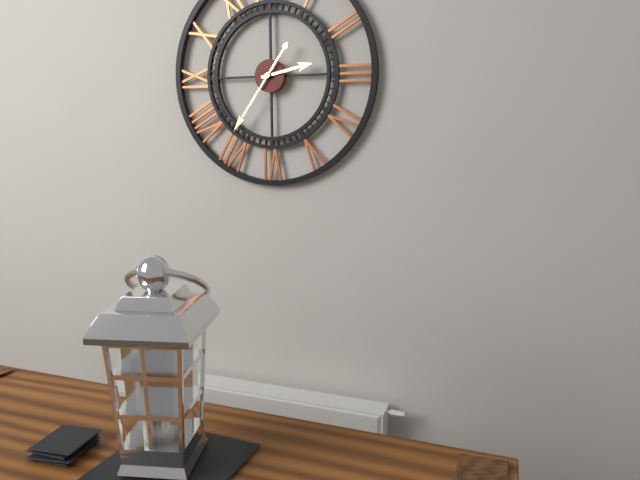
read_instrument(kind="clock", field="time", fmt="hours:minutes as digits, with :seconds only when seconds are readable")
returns 2:36
